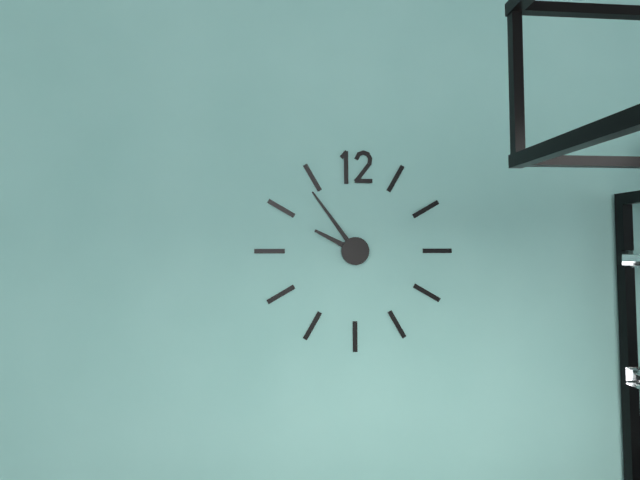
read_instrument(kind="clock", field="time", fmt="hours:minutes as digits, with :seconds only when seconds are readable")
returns 9:54
